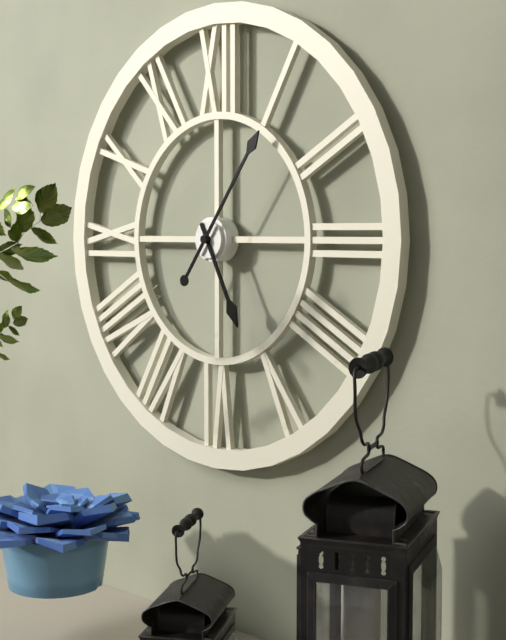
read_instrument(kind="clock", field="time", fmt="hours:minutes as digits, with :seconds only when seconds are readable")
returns 5:06
